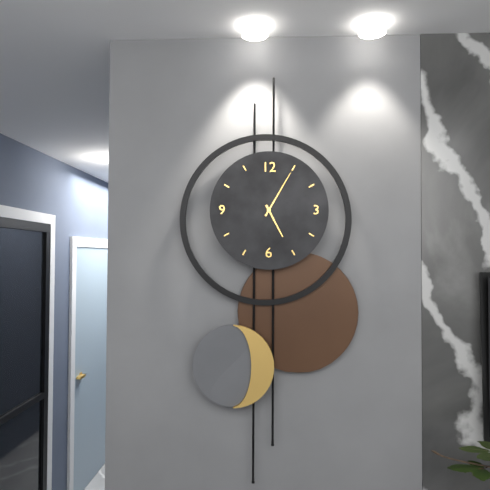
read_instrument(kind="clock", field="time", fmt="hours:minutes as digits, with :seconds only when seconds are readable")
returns 5:05
